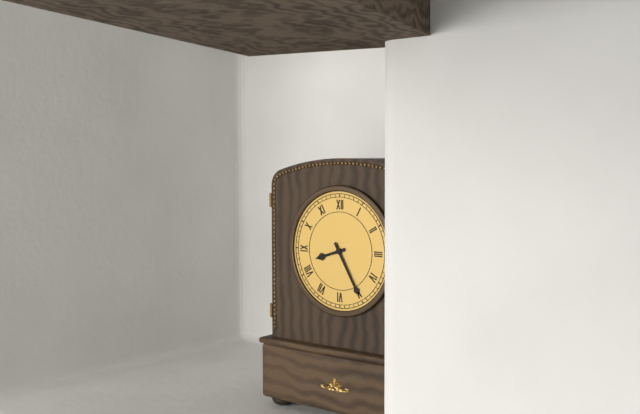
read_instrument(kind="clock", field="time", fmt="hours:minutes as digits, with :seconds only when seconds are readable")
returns 8:25
